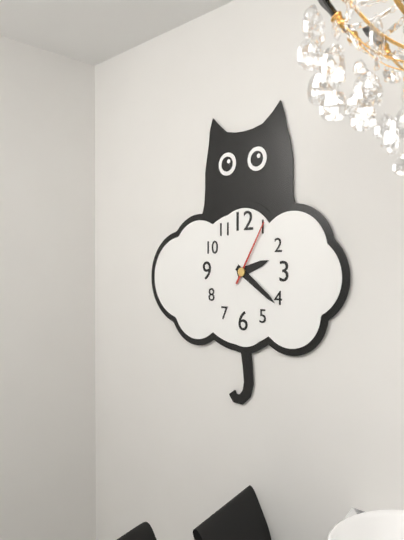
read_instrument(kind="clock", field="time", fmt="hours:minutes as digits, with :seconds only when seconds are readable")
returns 2:21:05
